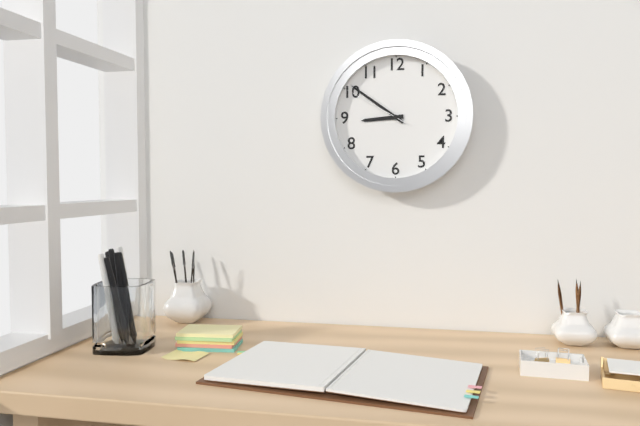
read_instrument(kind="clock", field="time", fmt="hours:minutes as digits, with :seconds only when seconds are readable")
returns 8:51:50
